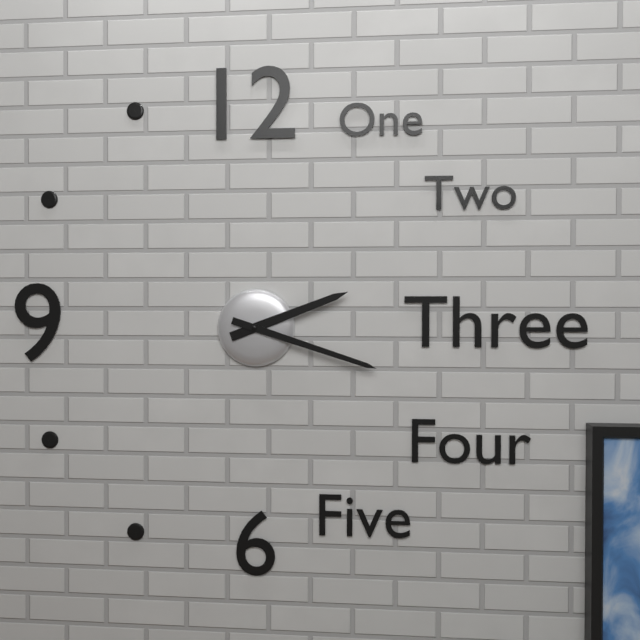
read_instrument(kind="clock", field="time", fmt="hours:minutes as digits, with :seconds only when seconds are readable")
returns 2:18
